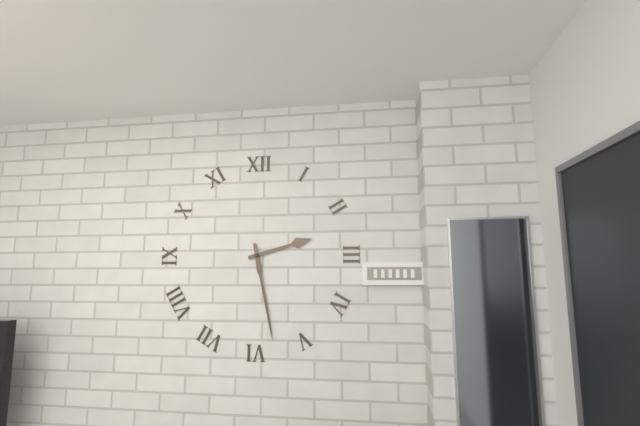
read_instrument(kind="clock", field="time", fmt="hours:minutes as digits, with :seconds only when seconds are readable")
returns 2:28
